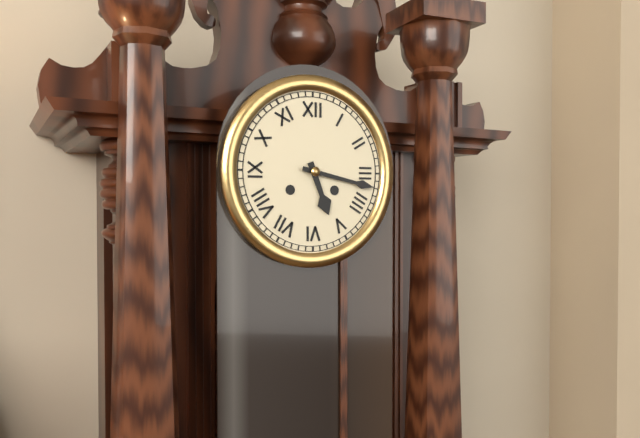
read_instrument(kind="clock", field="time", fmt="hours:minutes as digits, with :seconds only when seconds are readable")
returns 5:17
